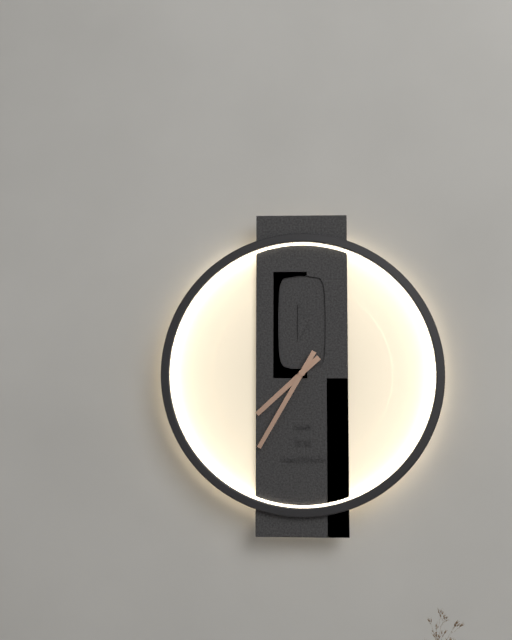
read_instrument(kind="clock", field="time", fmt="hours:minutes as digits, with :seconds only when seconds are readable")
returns 7:35
